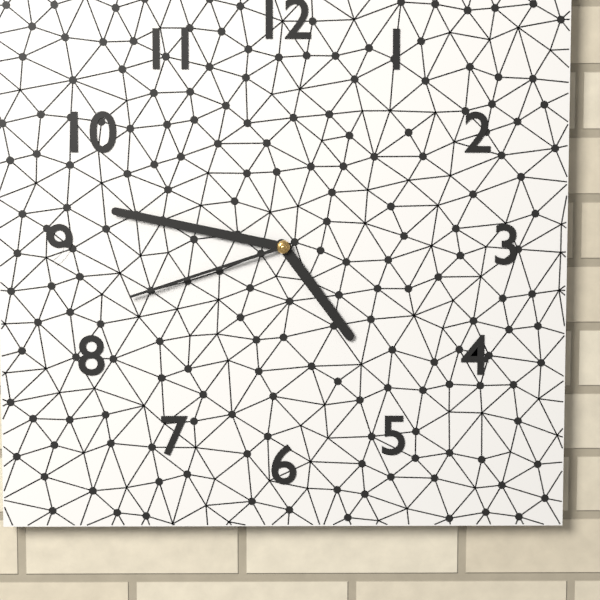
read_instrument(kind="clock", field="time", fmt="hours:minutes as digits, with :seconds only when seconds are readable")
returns 4:47:42
